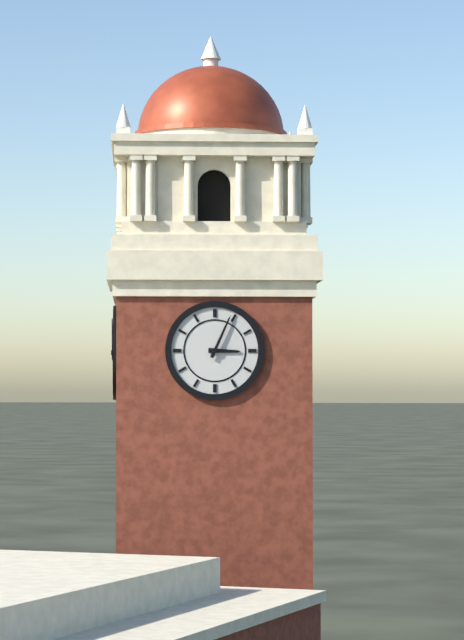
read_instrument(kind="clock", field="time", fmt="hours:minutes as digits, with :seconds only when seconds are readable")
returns 3:04
